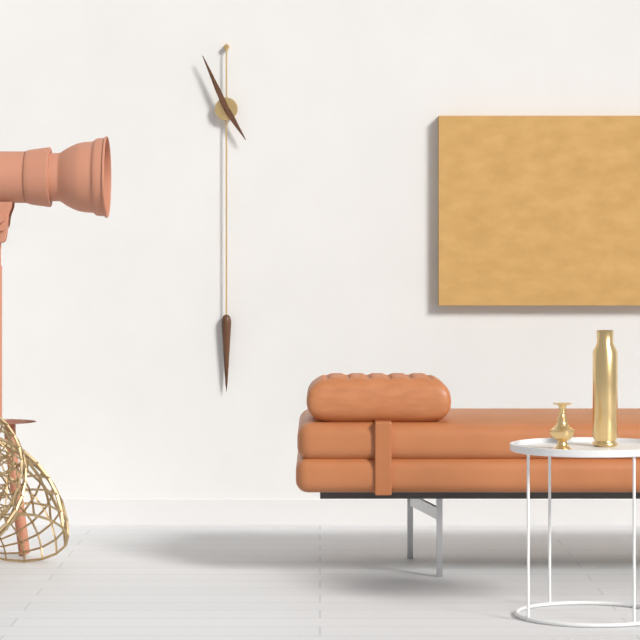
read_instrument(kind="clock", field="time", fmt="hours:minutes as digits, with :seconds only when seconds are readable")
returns 4:56
